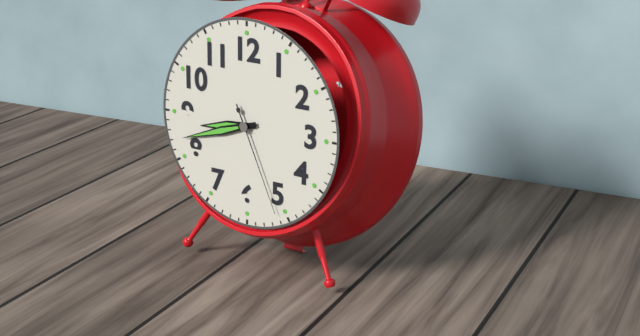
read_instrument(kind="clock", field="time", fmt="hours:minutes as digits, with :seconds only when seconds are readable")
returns 8:42:26
